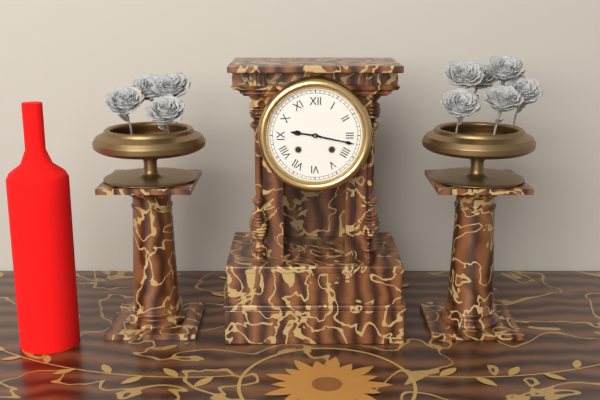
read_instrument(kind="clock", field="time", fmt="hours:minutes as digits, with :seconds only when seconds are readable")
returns 9:17
